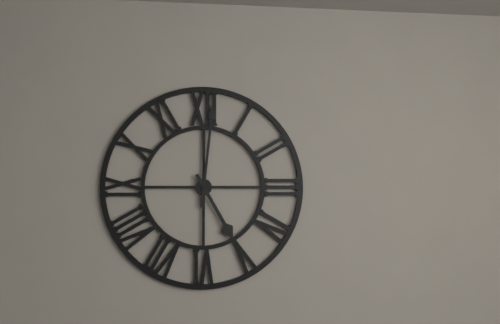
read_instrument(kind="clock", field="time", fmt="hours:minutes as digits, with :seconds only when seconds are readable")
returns 5:01
